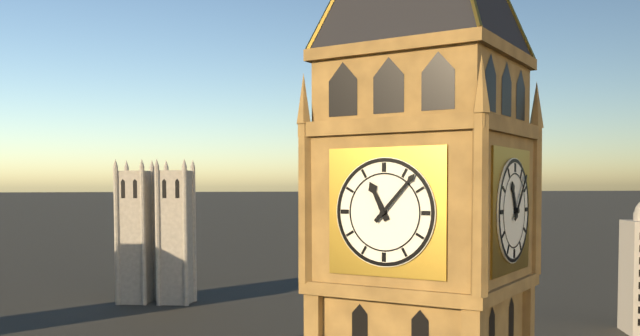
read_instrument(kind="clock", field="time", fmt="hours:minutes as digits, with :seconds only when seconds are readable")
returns 11:07
